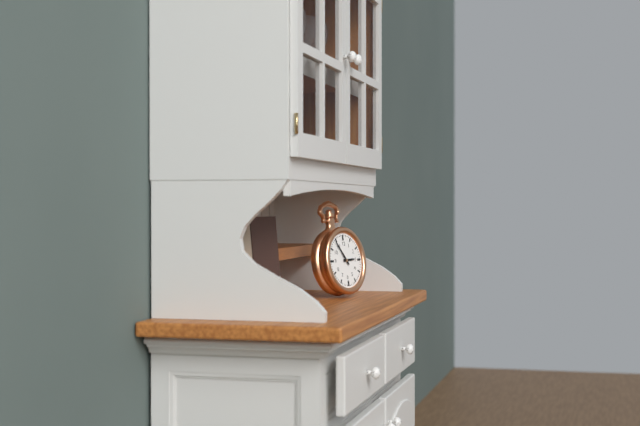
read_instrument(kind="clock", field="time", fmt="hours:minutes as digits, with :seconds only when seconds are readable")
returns 2:54
